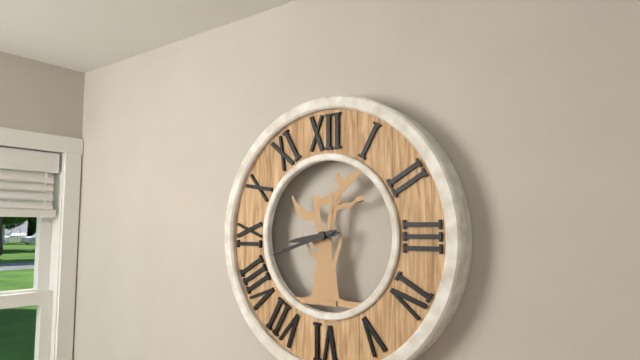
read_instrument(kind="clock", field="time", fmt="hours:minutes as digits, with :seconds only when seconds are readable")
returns 8:42
